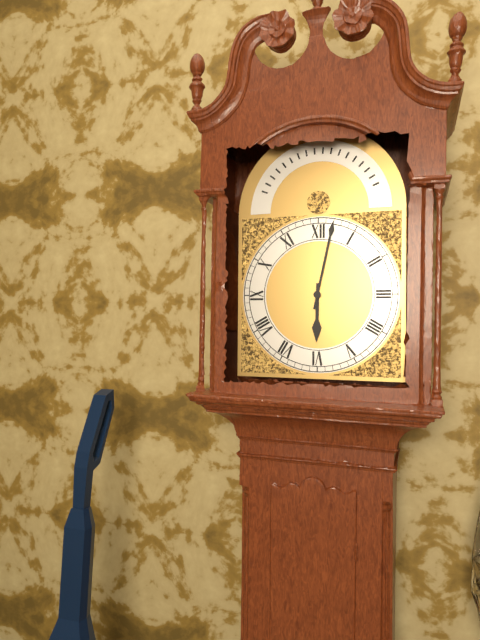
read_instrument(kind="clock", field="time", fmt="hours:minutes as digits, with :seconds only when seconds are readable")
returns 6:02
